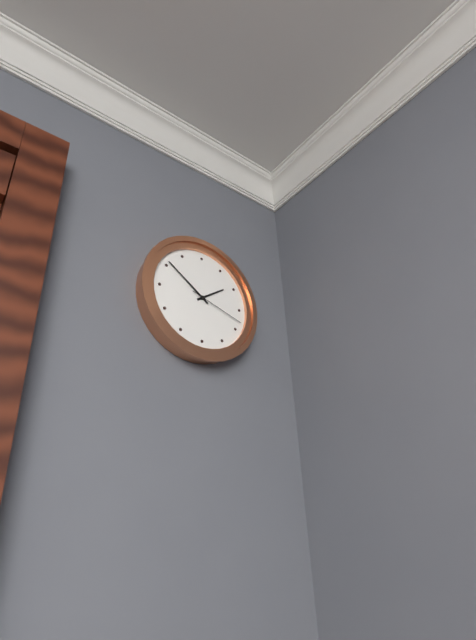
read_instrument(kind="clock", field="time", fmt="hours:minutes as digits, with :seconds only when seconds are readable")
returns 1:51:18
